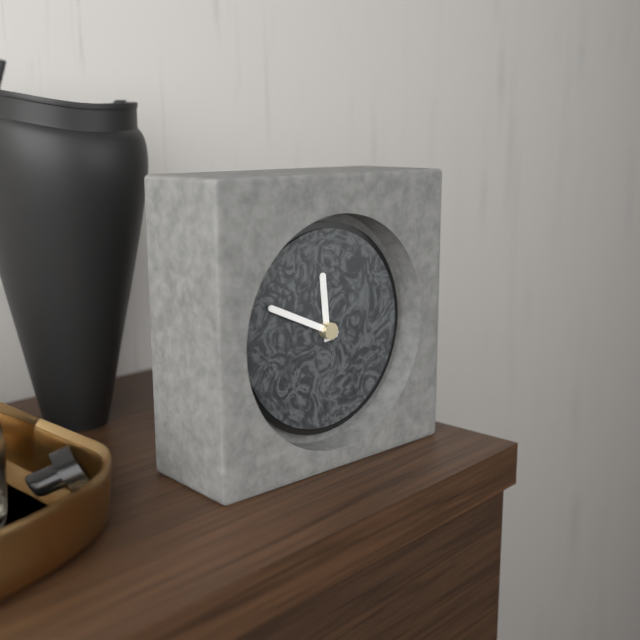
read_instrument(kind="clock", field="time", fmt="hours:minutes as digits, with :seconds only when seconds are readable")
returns 11:49
